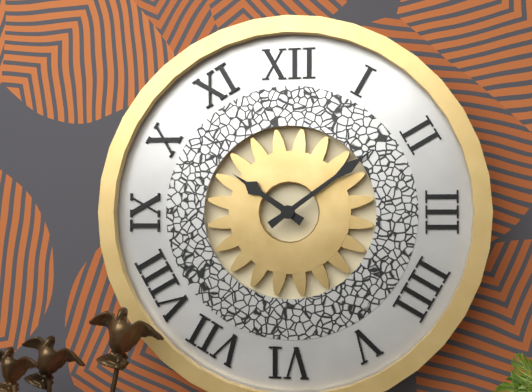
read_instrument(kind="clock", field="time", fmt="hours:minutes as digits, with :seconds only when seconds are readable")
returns 10:09
